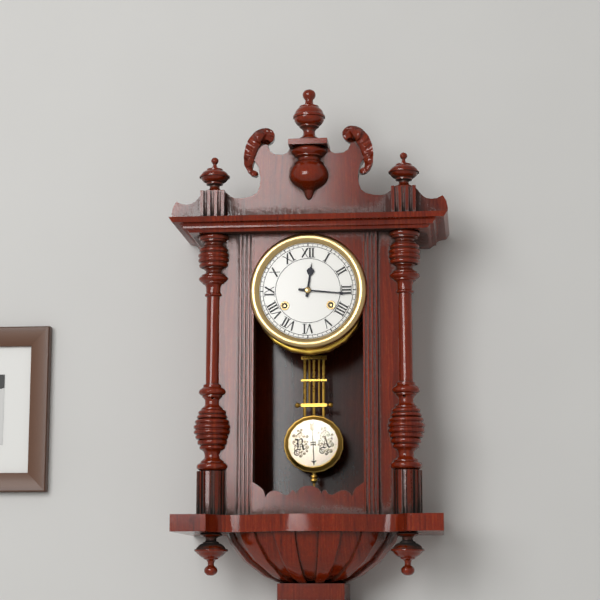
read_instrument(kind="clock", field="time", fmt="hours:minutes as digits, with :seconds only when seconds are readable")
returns 12:16
